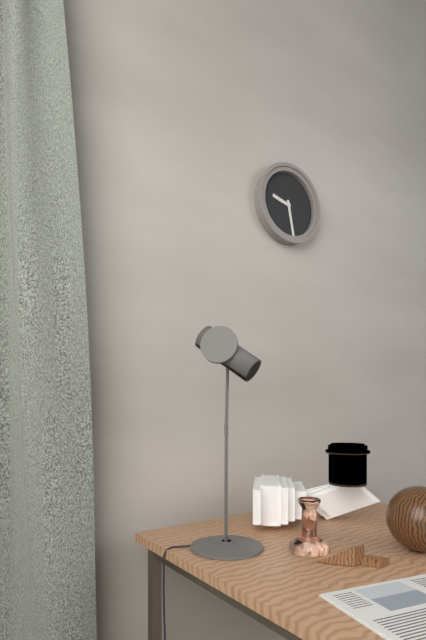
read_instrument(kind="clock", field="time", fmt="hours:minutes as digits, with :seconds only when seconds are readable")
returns 9:28
